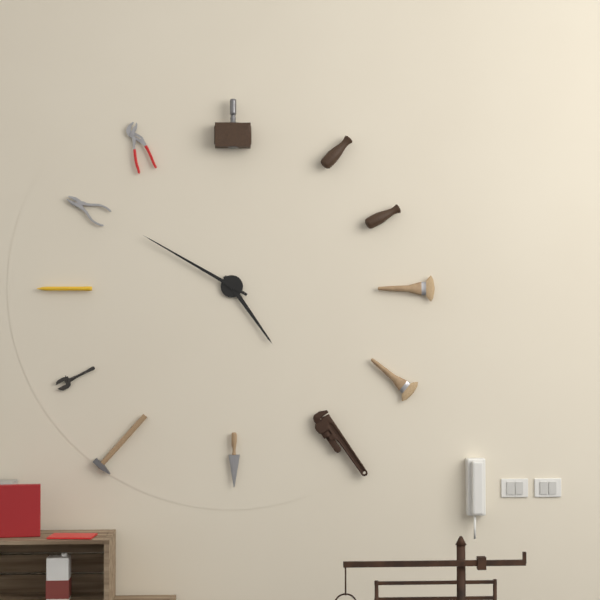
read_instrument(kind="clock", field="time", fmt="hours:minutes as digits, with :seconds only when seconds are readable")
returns 4:50
